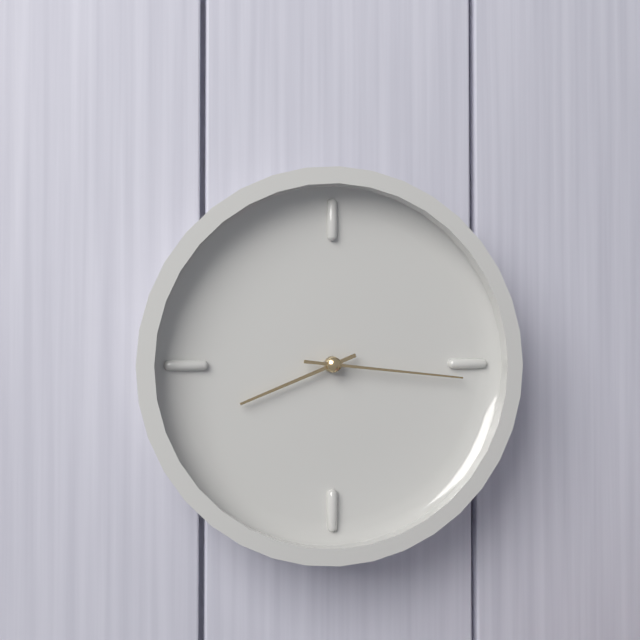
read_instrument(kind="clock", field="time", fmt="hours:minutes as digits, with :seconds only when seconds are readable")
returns 8:16
